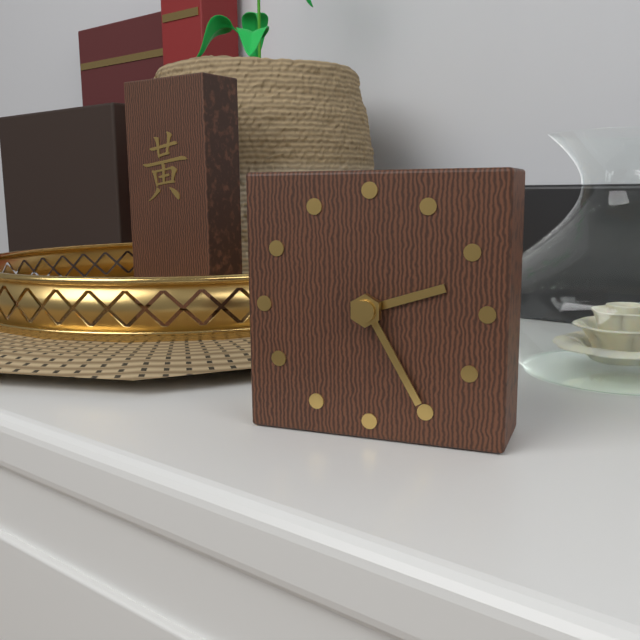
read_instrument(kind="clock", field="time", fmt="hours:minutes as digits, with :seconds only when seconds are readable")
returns 2:25
